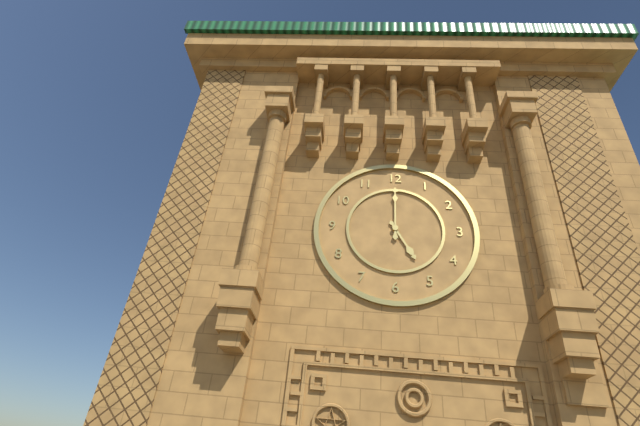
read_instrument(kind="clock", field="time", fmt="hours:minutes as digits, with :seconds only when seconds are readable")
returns 5:00
